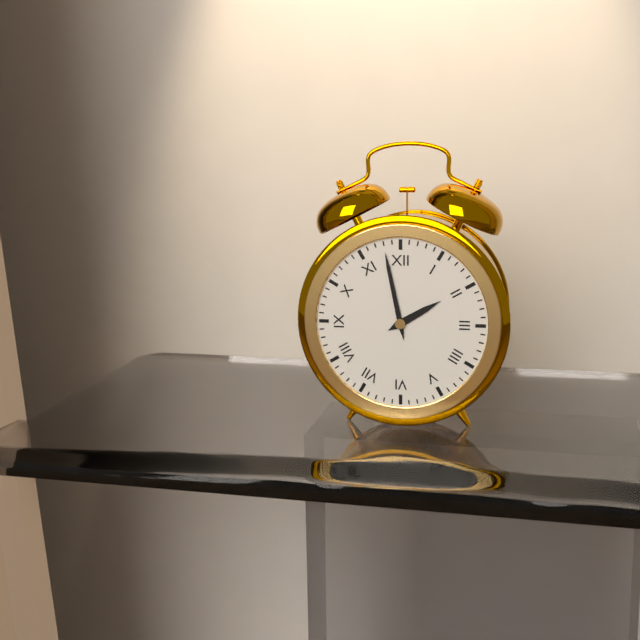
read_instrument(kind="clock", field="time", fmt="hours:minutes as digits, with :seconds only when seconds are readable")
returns 1:58
